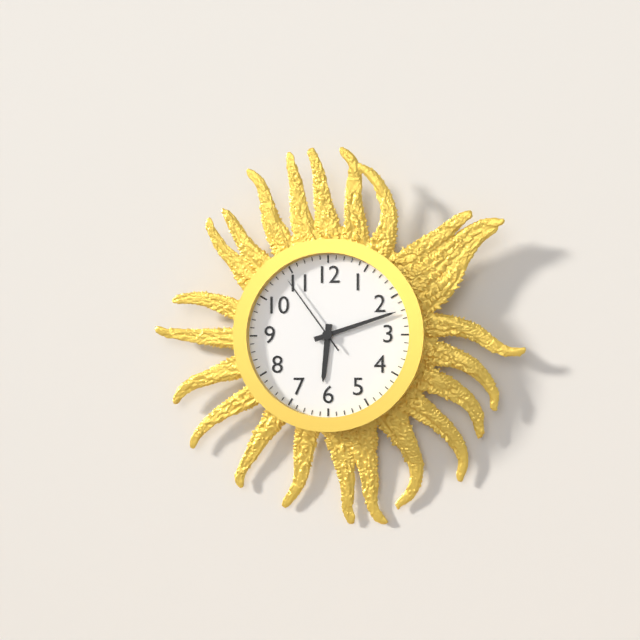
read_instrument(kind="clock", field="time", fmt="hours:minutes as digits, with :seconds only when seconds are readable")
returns 6:12:54
